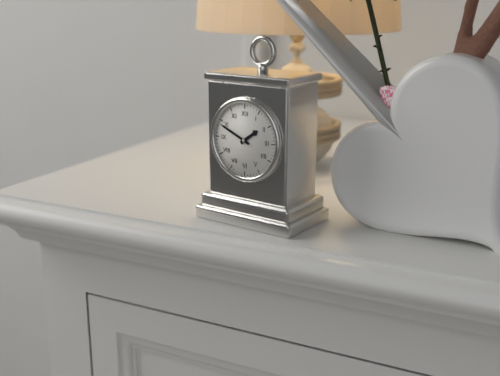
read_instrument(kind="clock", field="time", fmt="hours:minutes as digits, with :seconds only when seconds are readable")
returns 1:49
